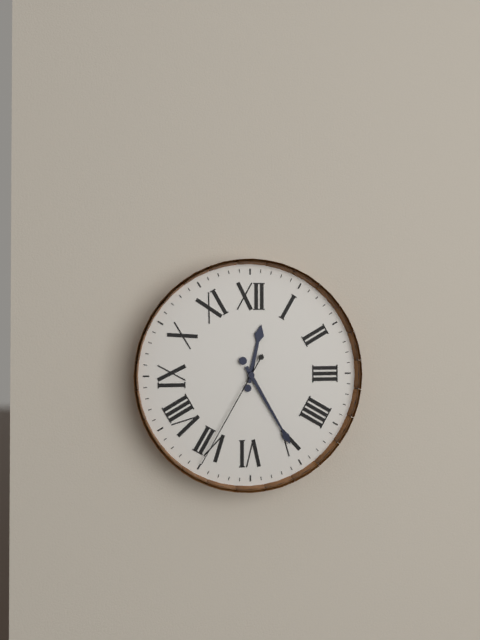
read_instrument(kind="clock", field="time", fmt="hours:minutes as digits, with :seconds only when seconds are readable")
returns 12:25:35
